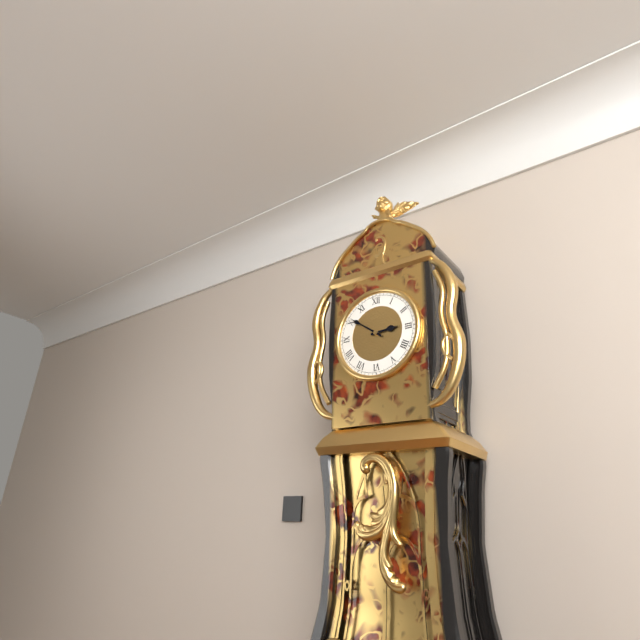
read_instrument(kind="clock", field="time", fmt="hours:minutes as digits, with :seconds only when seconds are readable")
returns 2:51
